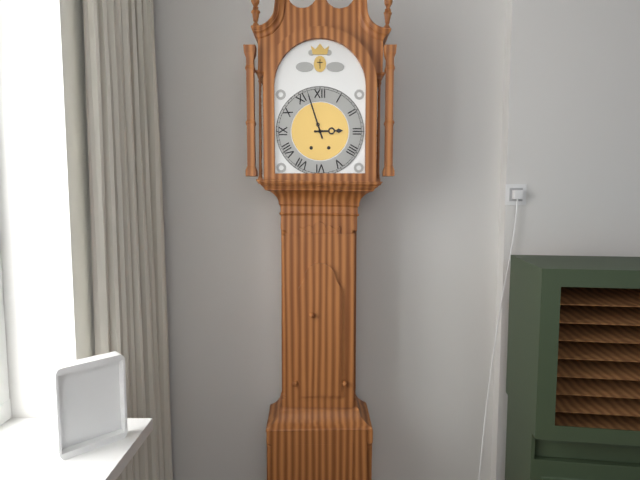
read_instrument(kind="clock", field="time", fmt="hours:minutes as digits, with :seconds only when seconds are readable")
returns 2:57
